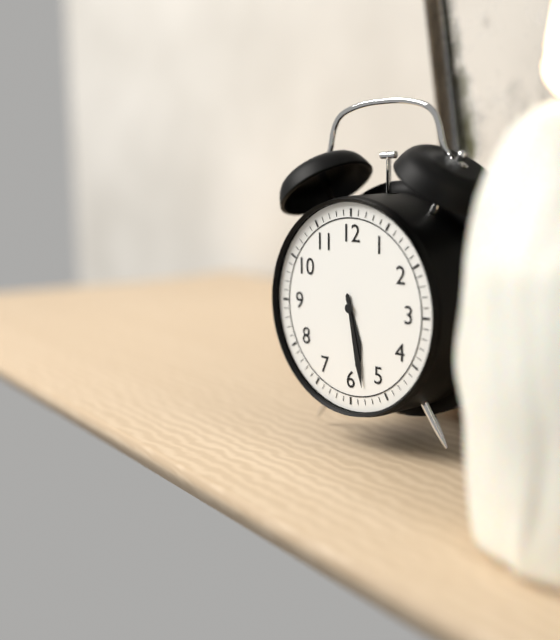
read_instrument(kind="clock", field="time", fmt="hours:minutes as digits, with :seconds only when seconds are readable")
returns 5:28
